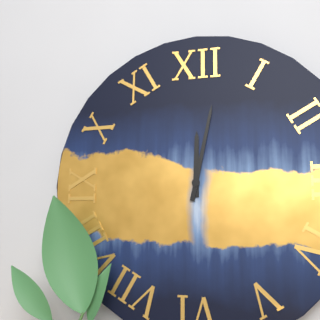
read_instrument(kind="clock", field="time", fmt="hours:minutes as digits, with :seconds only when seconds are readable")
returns 12:02
